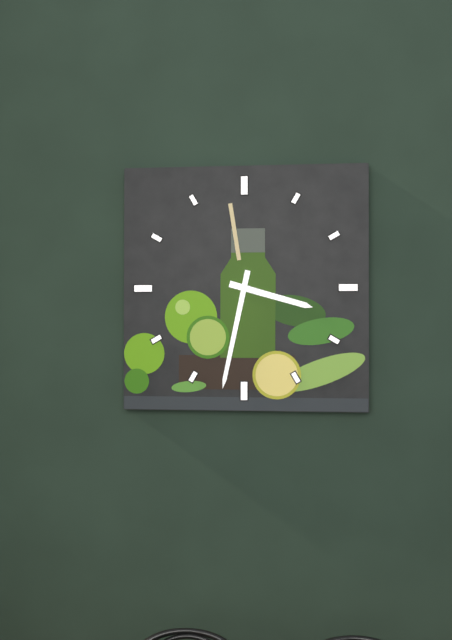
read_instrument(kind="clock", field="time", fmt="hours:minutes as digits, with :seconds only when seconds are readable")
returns 3:32
